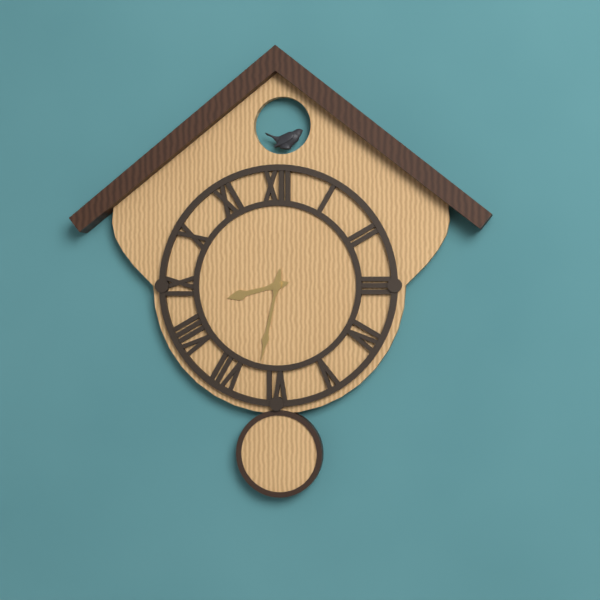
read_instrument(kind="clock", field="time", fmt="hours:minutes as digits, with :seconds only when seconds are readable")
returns 8:32
